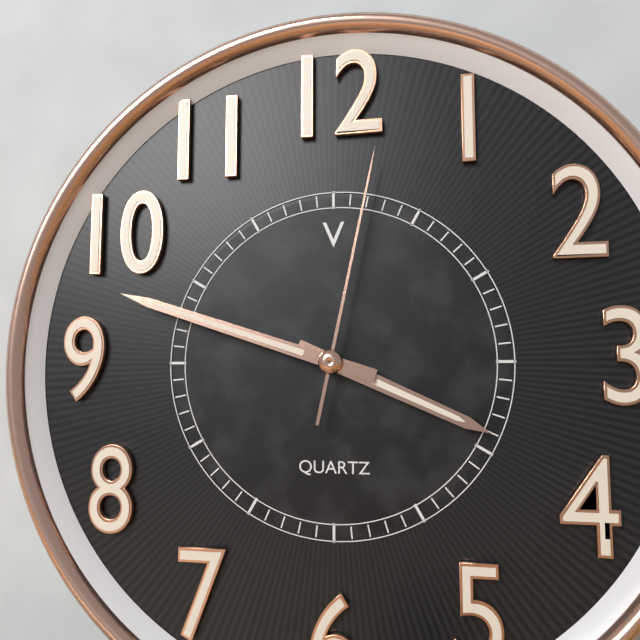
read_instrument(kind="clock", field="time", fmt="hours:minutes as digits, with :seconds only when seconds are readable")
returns 3:48:02
